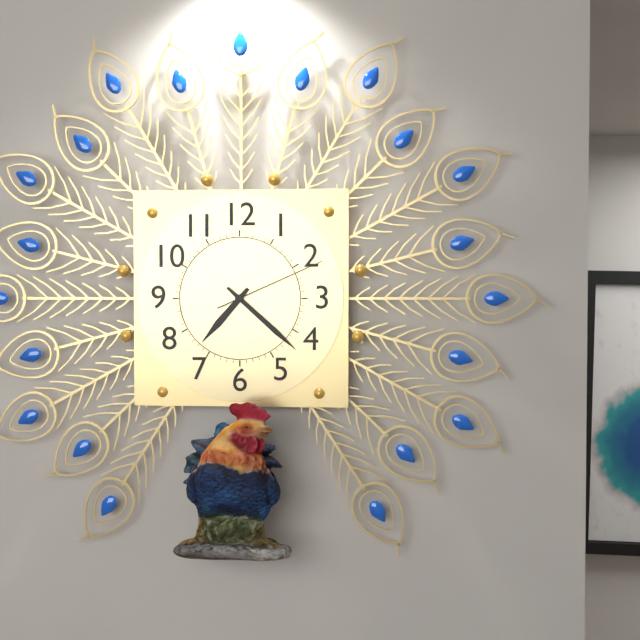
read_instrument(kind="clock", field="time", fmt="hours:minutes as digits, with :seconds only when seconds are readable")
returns 7:22:11
